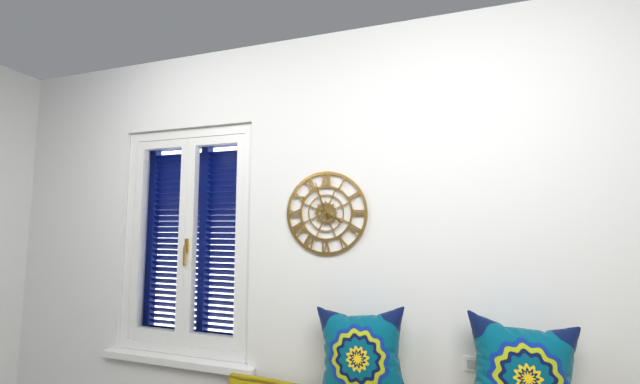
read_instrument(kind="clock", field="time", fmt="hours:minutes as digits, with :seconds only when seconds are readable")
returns 3:57
